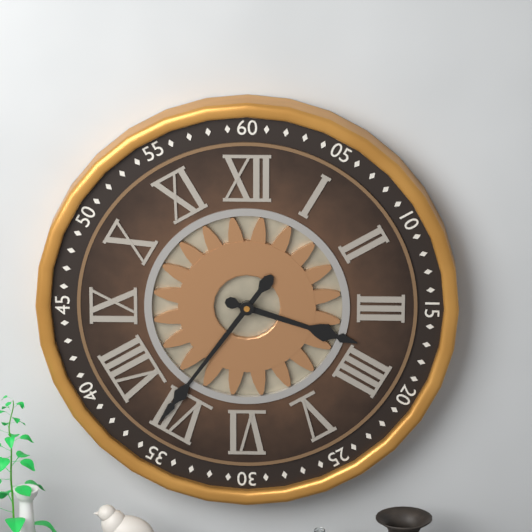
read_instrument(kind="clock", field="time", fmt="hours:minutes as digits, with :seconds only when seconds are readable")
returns 3:36
